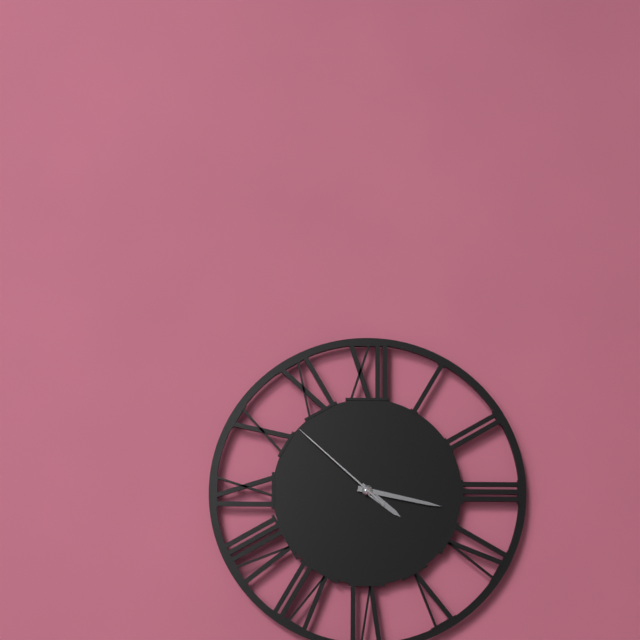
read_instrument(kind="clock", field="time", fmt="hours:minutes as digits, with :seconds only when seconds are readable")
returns 4:17:52
